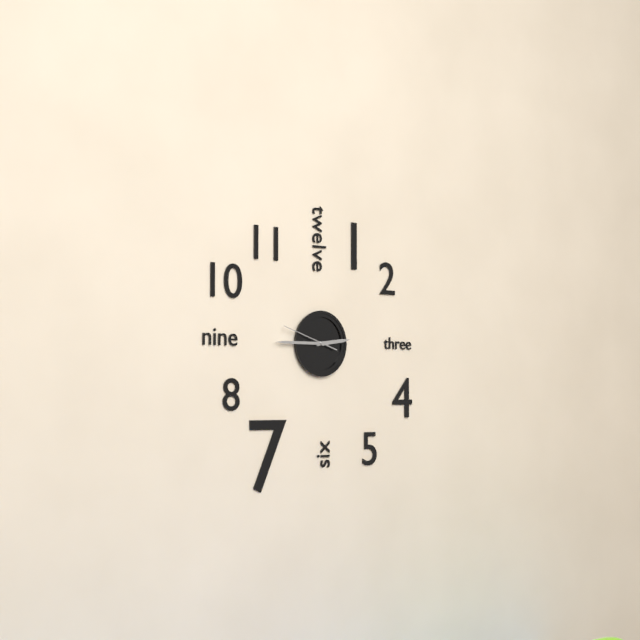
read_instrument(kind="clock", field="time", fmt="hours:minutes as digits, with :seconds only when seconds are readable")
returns 2:45
